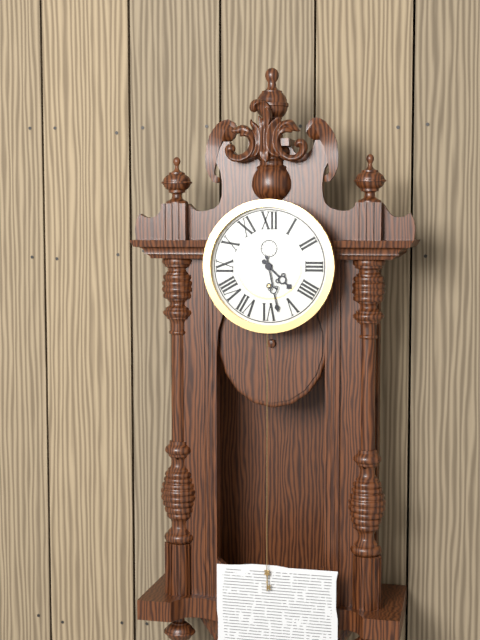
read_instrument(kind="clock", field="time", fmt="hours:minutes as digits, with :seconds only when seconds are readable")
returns 4:28
